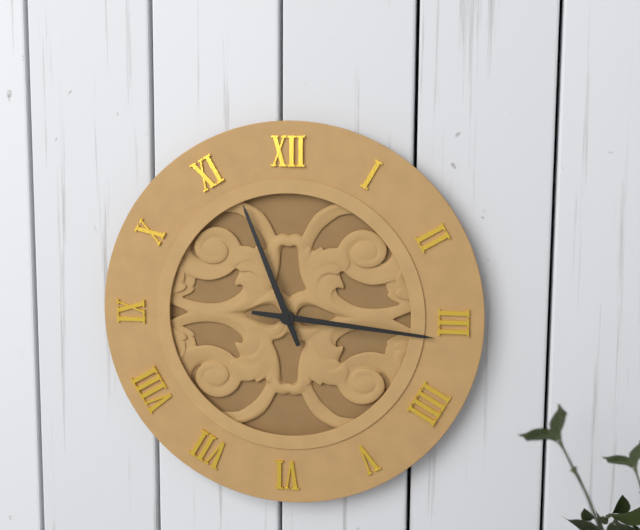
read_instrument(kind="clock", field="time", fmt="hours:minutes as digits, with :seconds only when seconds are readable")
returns 11:16
